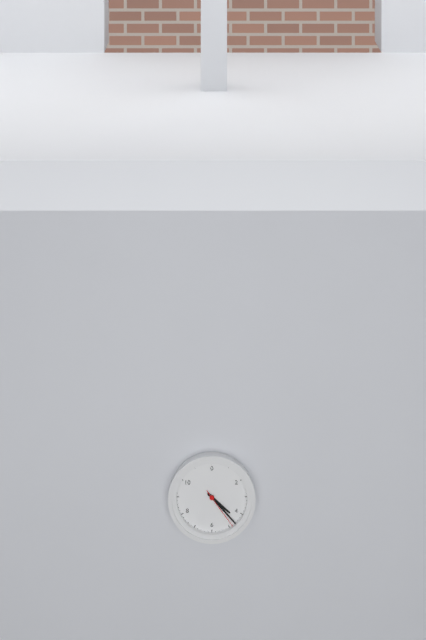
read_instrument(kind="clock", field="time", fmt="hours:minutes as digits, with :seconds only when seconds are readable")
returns 4:23
